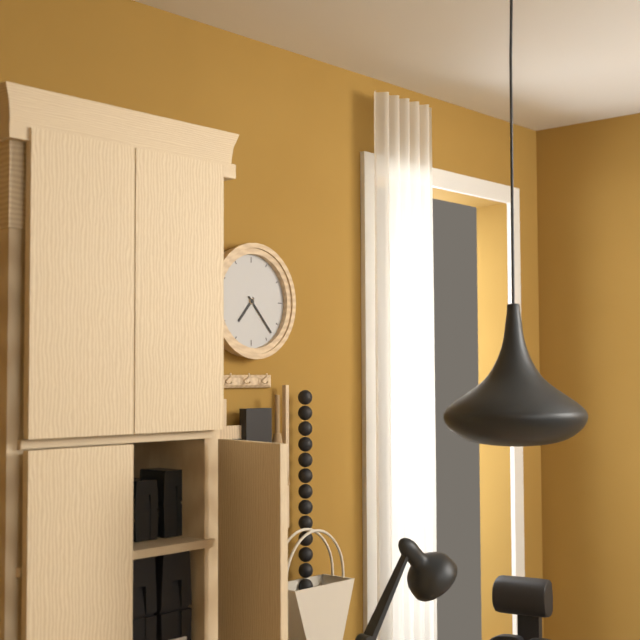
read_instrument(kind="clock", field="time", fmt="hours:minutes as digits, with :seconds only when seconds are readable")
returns 7:23
